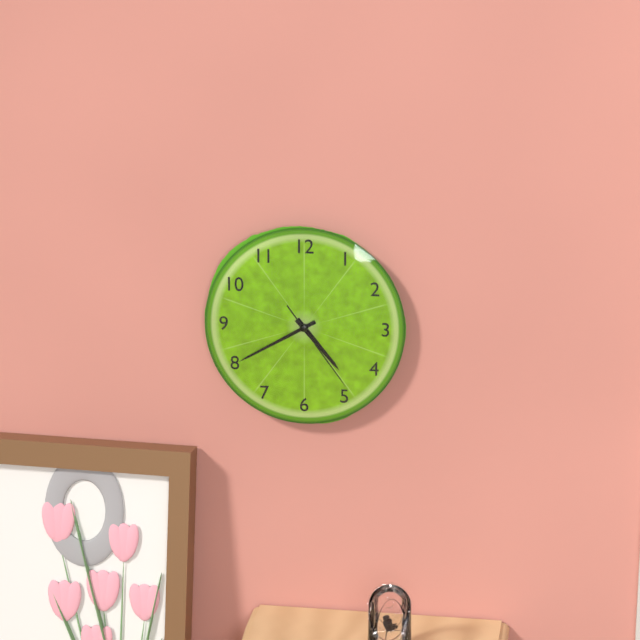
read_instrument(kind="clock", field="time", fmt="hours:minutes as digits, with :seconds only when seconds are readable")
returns 4:40:24
